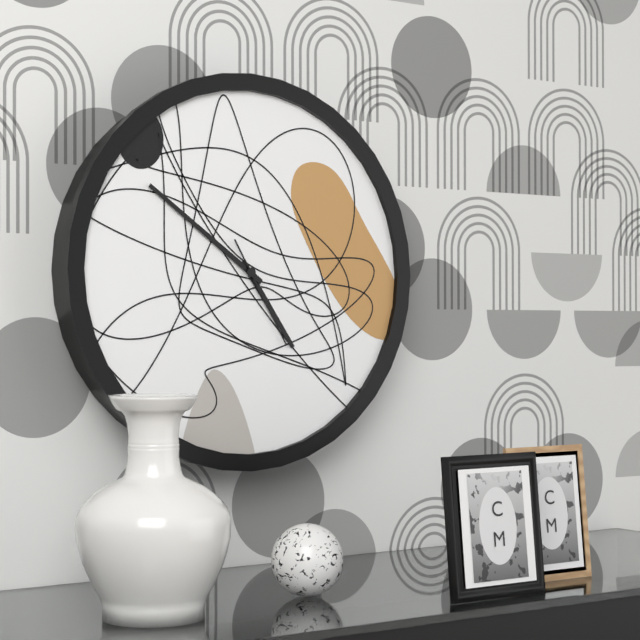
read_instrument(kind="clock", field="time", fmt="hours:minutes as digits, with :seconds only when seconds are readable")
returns 4:51:25
